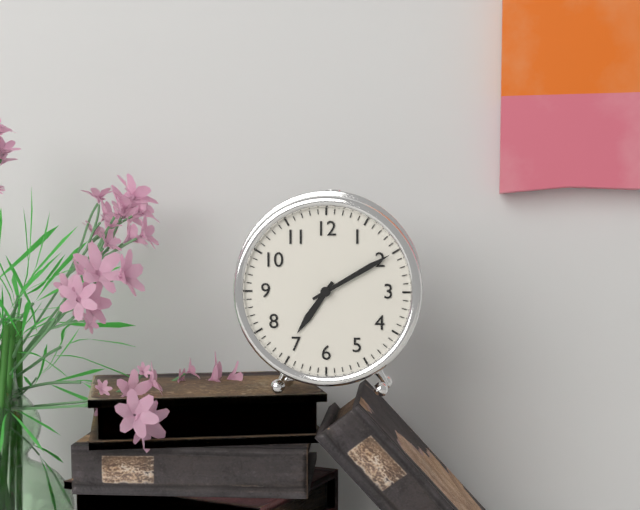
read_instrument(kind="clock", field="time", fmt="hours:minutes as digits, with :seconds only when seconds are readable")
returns 7:10
